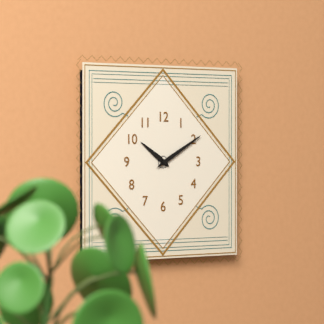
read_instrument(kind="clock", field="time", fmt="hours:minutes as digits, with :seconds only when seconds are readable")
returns 10:10
